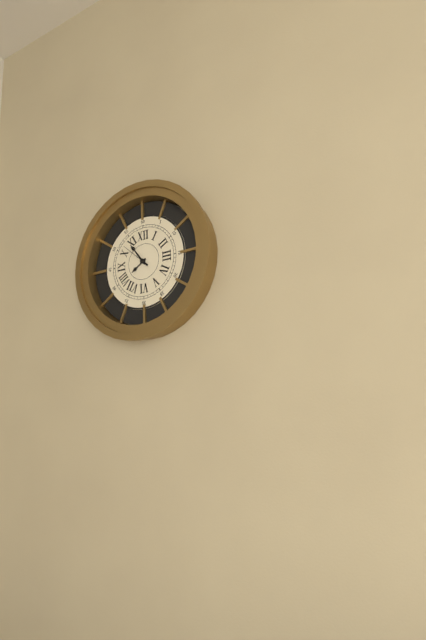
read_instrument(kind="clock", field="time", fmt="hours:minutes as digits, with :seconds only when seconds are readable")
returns 7:54
